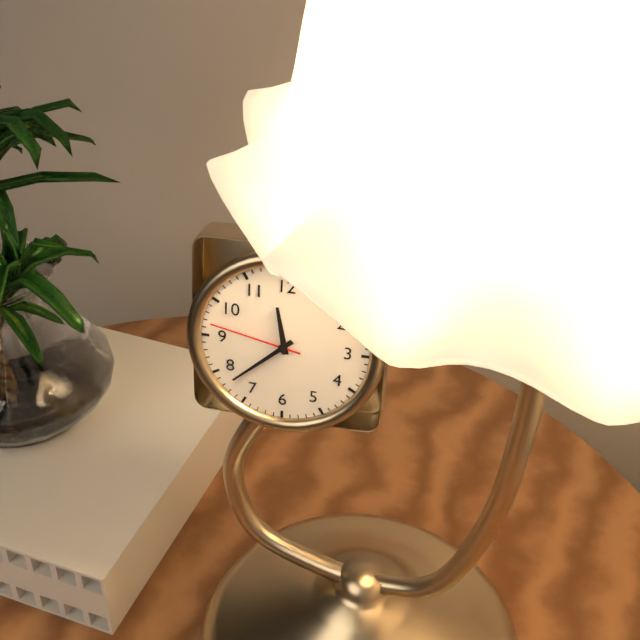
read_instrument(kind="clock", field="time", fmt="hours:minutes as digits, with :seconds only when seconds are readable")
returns 11:38:47
